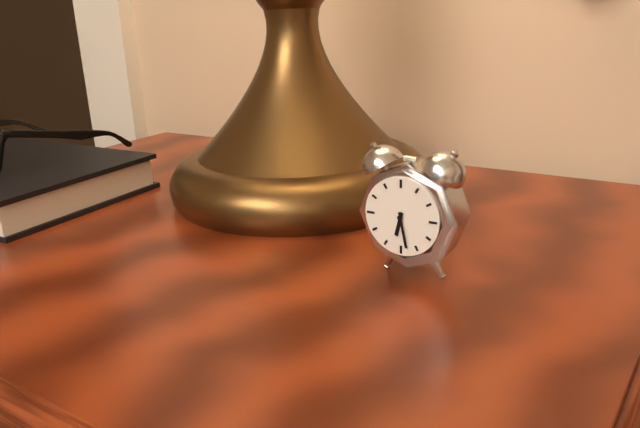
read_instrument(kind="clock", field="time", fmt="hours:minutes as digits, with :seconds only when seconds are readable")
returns 6:28
